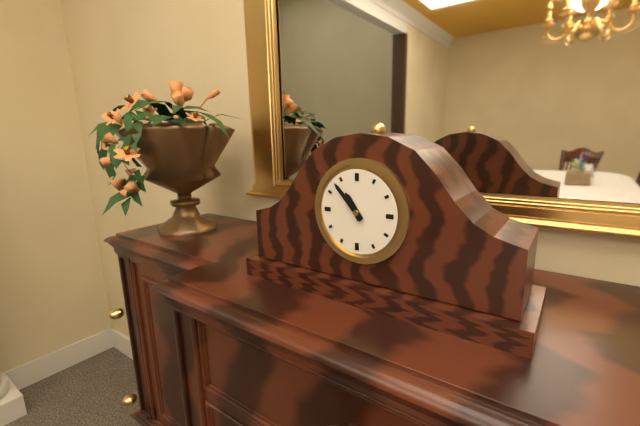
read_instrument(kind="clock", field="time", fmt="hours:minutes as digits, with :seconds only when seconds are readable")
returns 10:53
